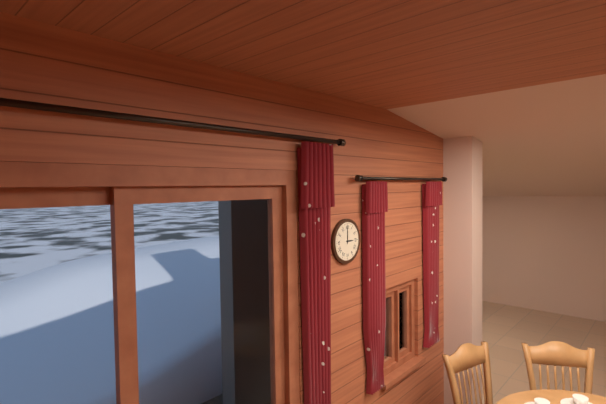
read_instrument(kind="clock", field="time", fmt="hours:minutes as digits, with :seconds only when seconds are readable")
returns 3:00
